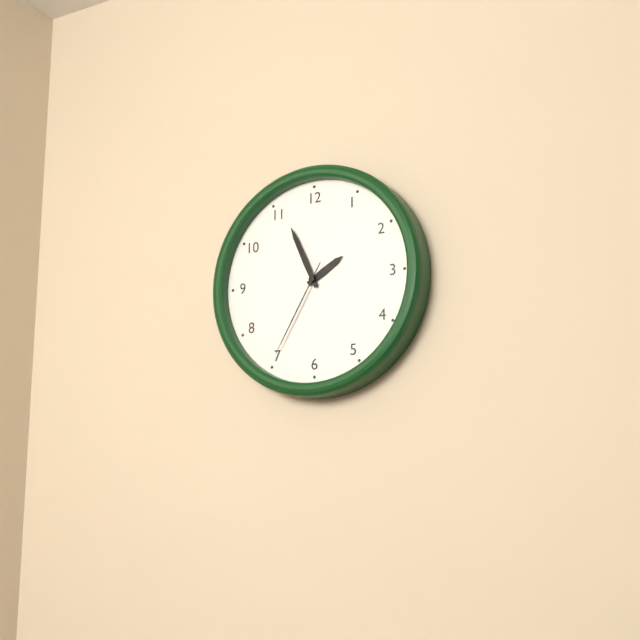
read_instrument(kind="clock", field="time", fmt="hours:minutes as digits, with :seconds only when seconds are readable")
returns 1:56:35
